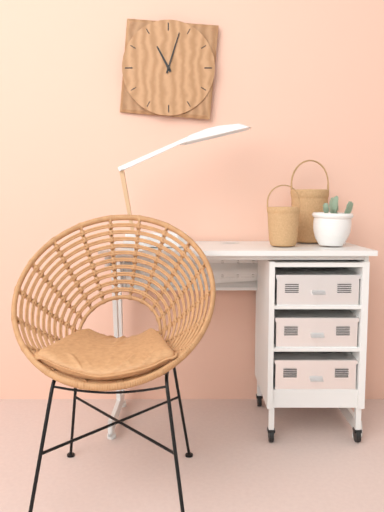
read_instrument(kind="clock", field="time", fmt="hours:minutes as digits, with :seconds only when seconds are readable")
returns 11:03
